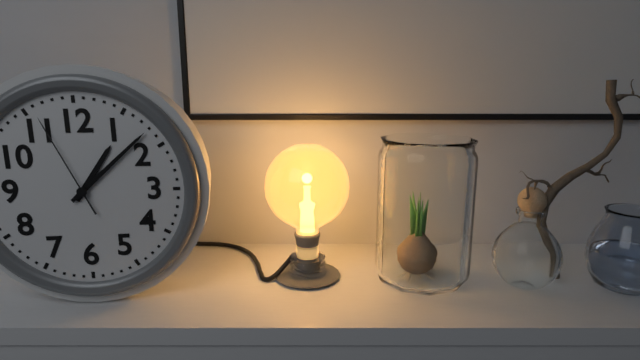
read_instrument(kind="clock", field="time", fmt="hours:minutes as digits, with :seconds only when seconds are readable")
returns 1:08:56
